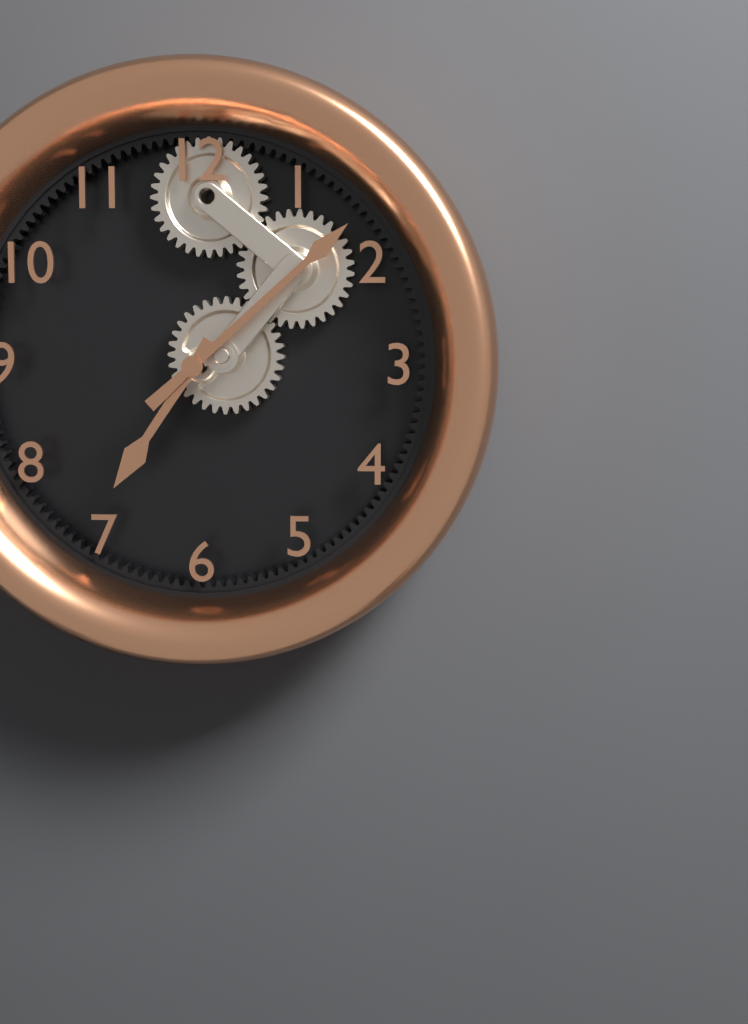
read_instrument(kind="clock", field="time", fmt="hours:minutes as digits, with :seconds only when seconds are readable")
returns 7:08
